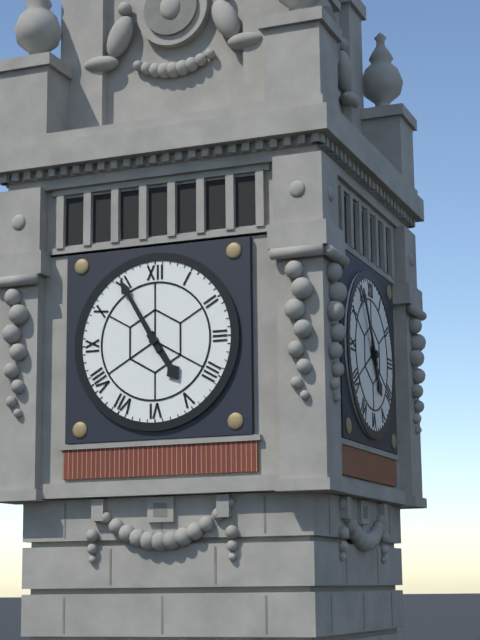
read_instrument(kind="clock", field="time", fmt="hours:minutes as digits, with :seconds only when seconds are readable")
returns 4:55
